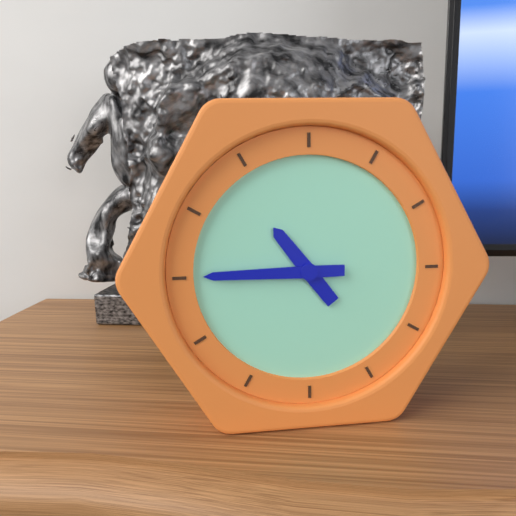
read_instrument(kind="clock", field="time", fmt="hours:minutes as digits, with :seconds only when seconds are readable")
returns 10:45
